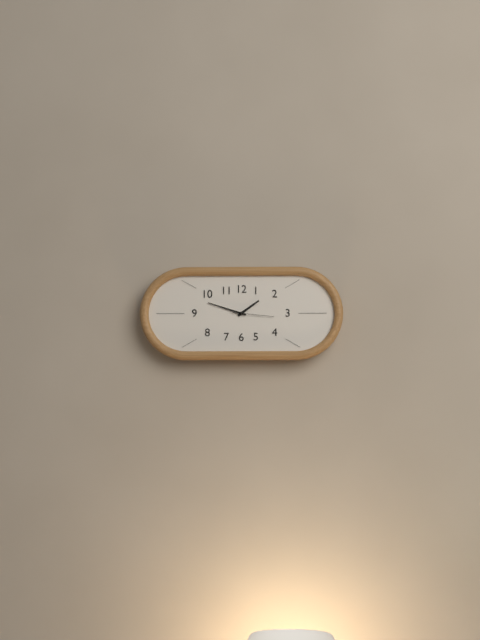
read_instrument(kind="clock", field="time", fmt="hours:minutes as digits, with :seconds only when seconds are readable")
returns 1:48
